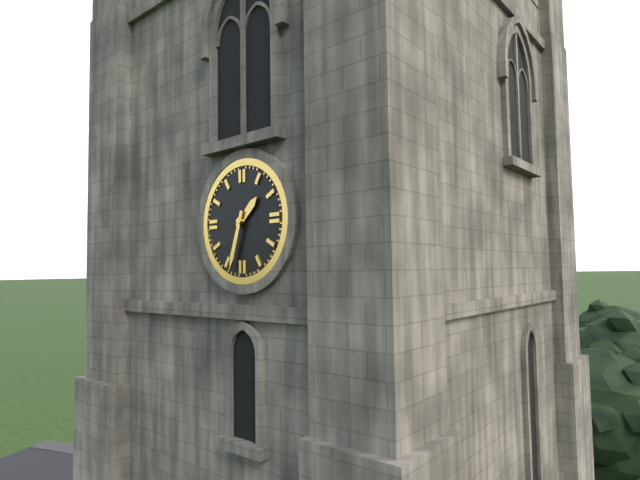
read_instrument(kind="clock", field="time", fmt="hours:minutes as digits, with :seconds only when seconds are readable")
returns 1:33
